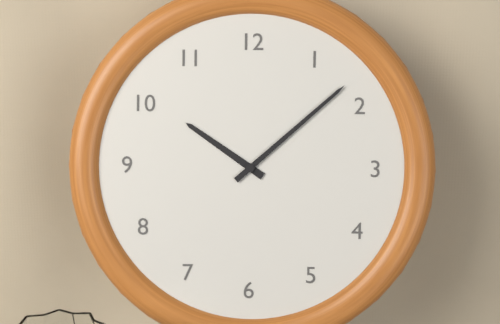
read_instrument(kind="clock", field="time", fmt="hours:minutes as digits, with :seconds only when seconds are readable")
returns 10:08
